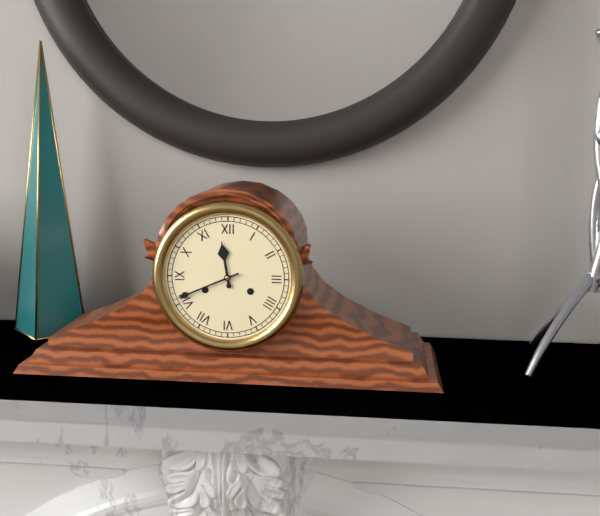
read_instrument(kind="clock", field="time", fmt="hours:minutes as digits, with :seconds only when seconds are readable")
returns 11:41
